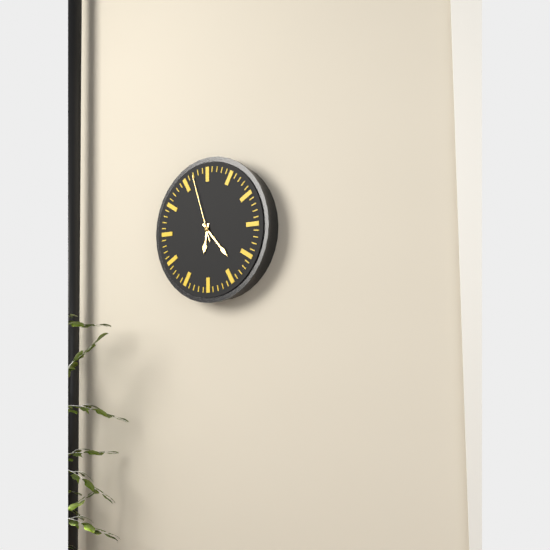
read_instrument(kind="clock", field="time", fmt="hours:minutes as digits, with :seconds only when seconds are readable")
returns 6:23:57
